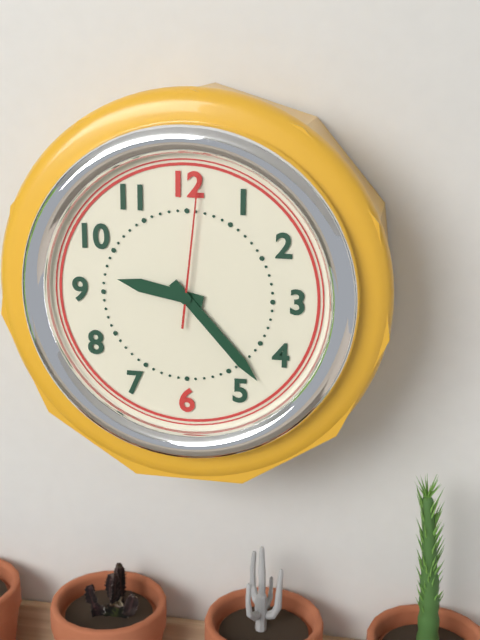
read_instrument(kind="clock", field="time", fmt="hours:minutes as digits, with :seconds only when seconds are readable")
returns 9:23:01
